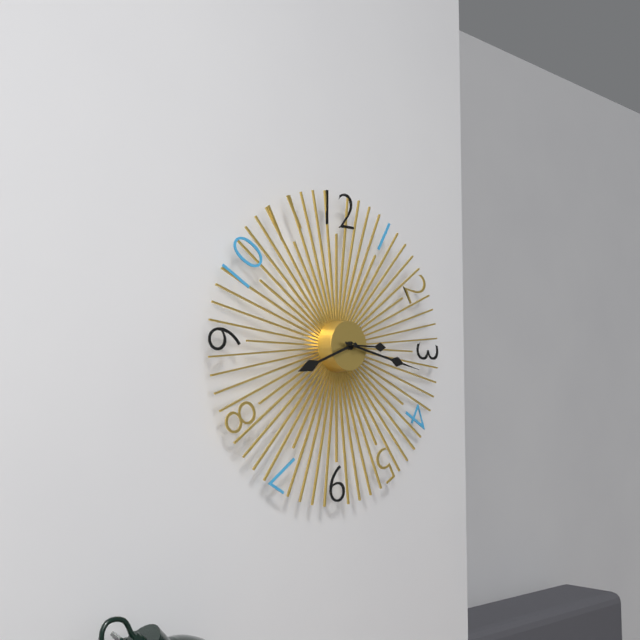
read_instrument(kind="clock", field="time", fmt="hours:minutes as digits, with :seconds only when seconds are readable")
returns 8:17:15
